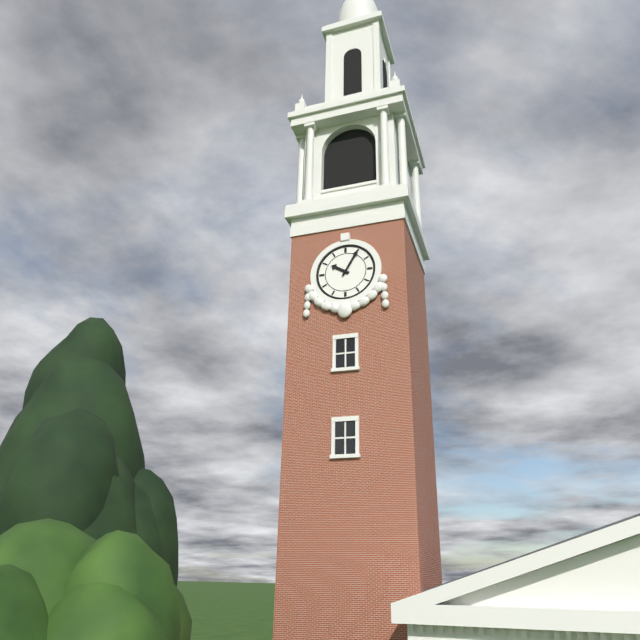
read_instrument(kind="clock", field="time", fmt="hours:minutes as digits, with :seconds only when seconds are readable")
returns 10:05
